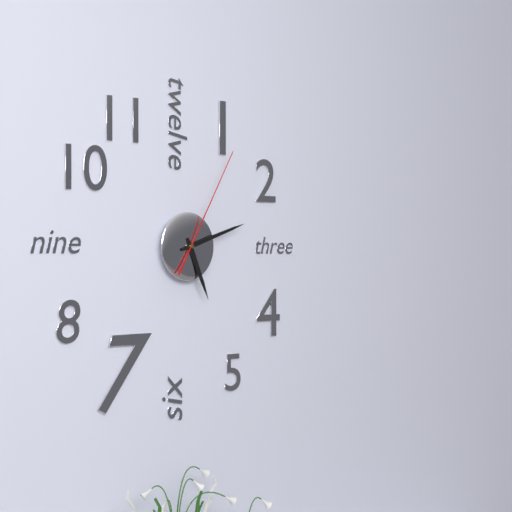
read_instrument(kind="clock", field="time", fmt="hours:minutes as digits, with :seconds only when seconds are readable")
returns 5:12:05
